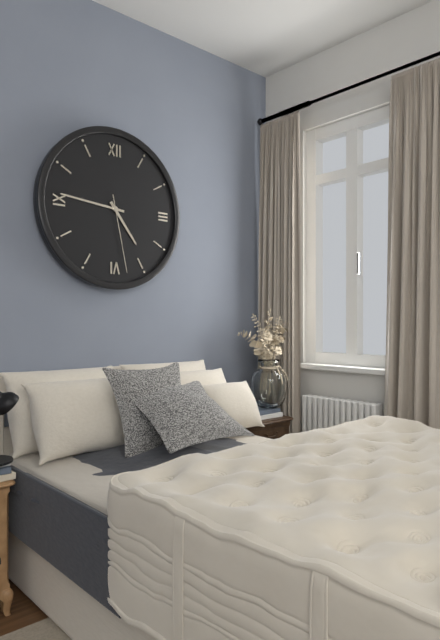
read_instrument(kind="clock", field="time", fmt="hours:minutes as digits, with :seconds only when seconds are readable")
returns 4:46:28
